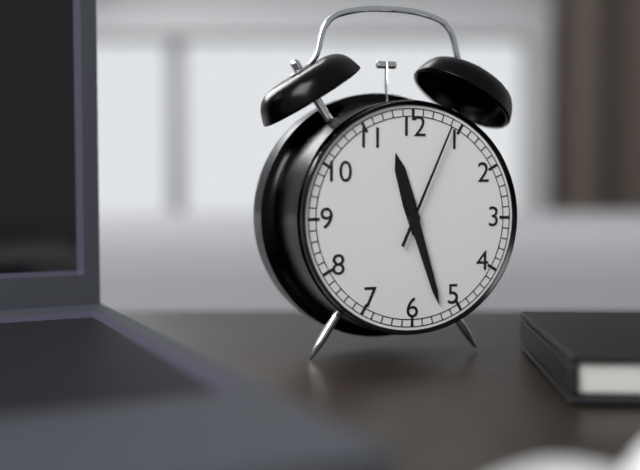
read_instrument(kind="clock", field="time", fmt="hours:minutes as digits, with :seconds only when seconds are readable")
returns 11:27:04
